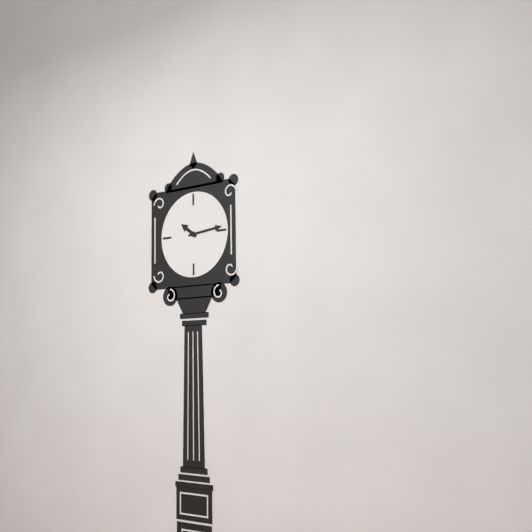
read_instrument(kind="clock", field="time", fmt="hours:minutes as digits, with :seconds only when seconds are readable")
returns 10:14
